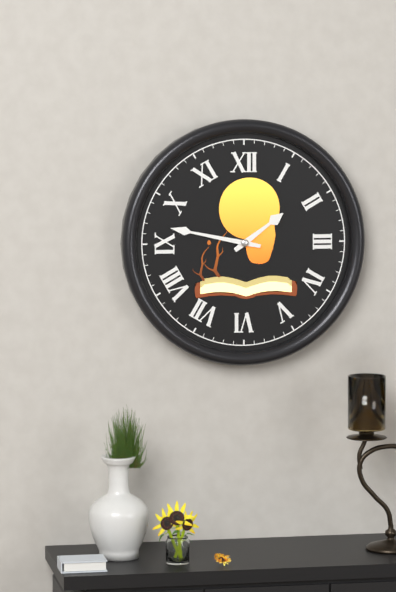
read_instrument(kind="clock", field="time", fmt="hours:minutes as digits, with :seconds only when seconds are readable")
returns 1:47
